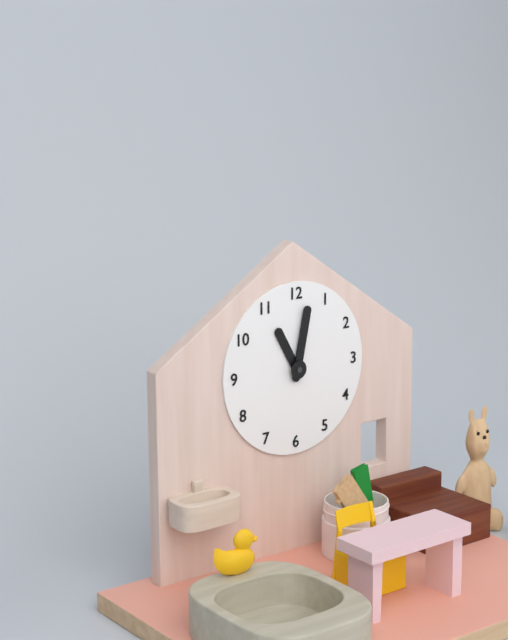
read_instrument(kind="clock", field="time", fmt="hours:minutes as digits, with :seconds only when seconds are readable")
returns 11:02
